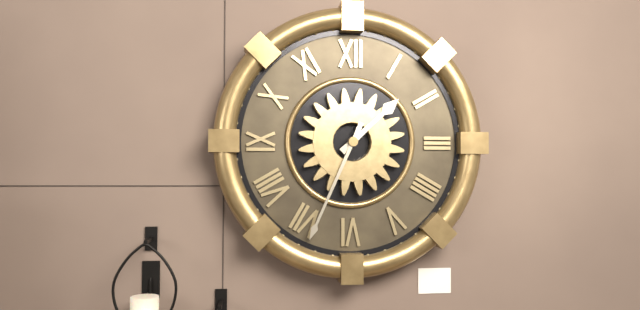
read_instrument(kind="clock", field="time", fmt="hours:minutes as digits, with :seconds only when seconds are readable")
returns 1:34
